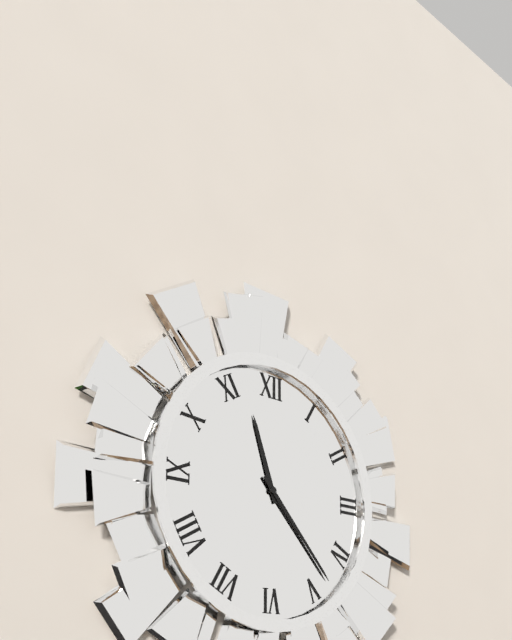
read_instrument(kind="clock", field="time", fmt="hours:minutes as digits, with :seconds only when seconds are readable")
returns 11:23
